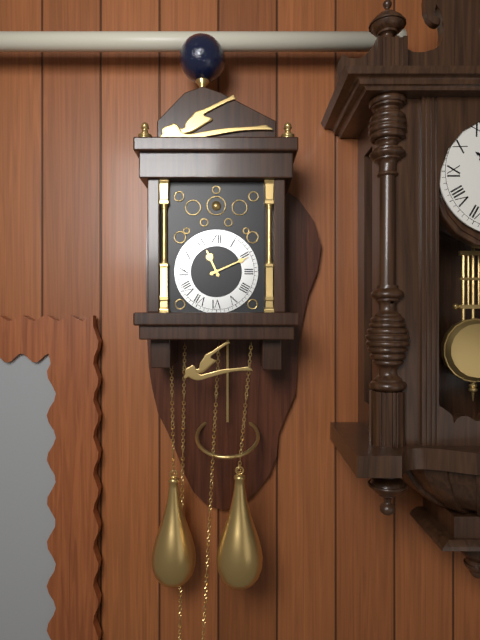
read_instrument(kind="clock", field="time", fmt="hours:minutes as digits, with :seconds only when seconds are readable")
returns 11:11
